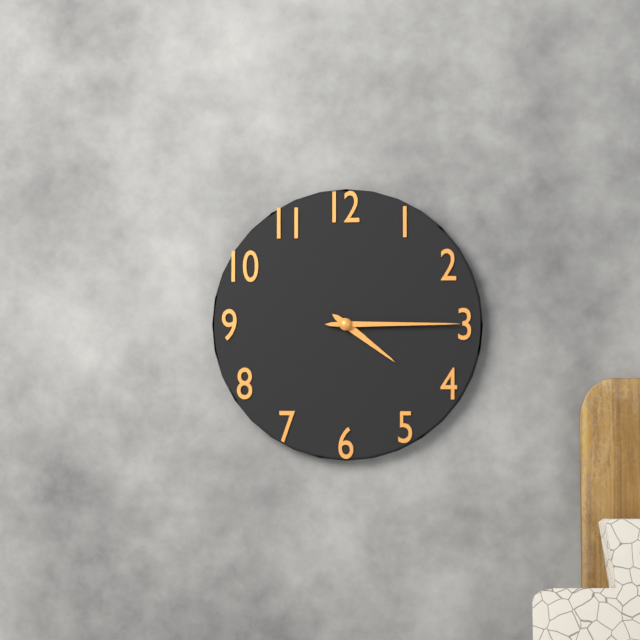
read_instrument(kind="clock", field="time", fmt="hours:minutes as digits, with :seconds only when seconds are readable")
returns 4:15
